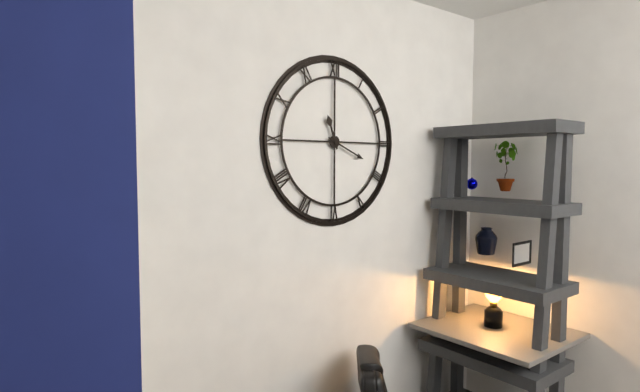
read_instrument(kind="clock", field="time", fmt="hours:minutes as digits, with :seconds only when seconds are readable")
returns 11:19
